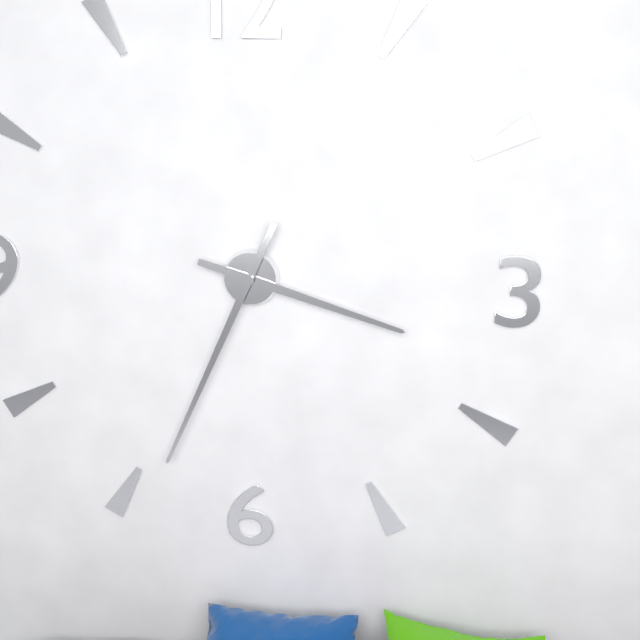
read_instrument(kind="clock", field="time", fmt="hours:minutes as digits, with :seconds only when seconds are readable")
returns 3:34
